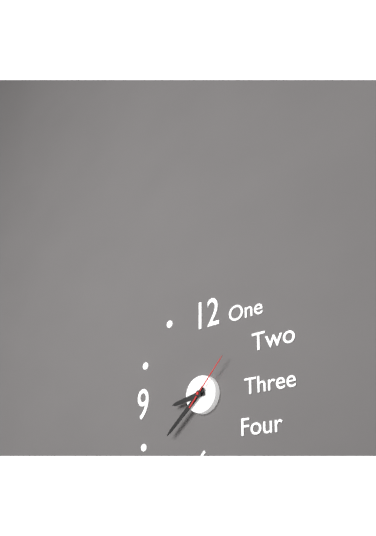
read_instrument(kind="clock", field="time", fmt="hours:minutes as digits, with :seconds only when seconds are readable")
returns 8:38:07
